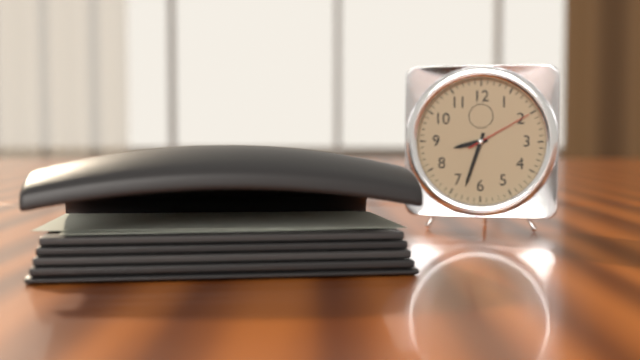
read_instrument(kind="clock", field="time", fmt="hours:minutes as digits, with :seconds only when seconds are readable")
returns 8:33:10
